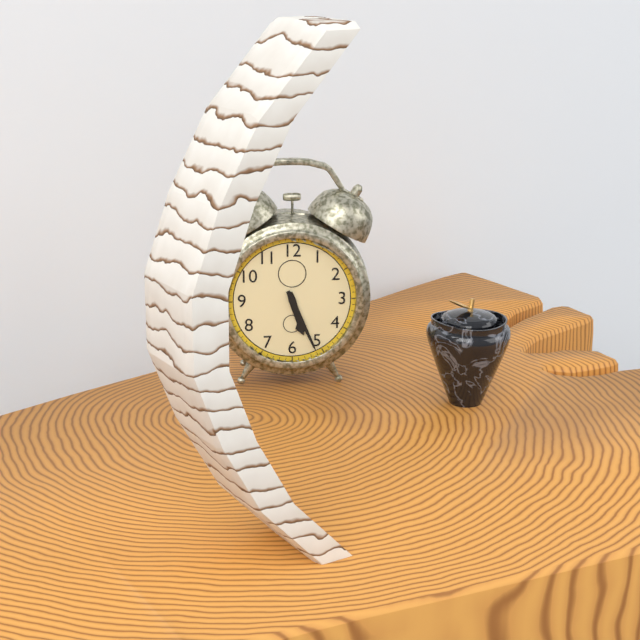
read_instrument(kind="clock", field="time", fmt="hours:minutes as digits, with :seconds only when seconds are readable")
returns 5:26
